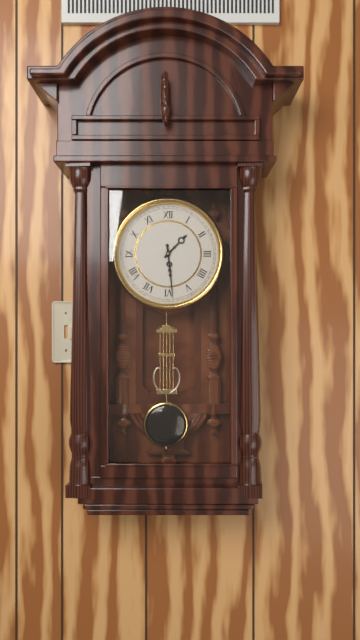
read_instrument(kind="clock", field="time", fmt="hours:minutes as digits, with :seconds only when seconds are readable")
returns 1:29
